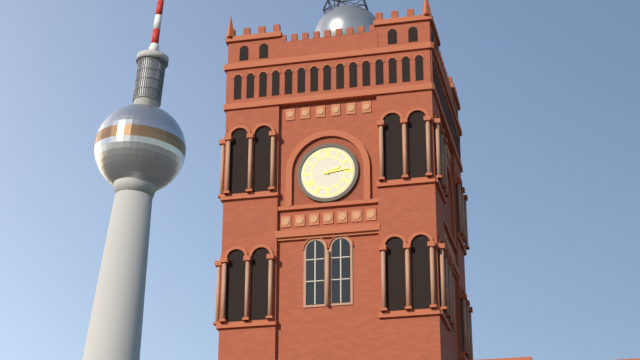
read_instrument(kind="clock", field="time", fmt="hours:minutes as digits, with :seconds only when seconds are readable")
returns 2:14
